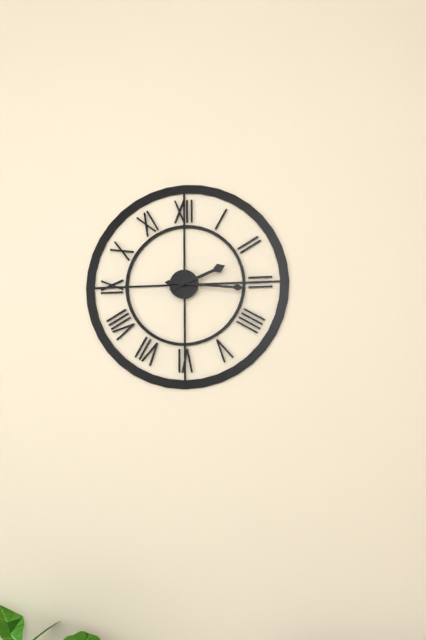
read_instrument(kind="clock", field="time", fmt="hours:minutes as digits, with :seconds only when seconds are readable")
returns 2:16
